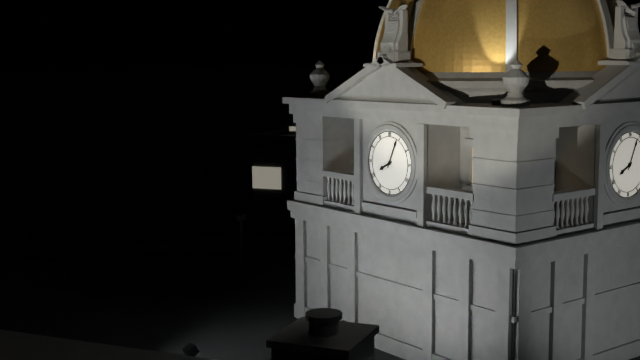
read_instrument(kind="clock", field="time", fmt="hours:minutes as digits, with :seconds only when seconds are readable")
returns 8:04
